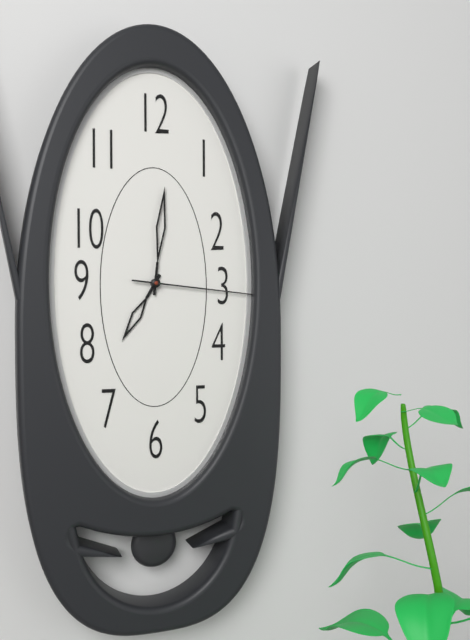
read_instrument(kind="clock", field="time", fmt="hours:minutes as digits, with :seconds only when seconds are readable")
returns 7:01:16
